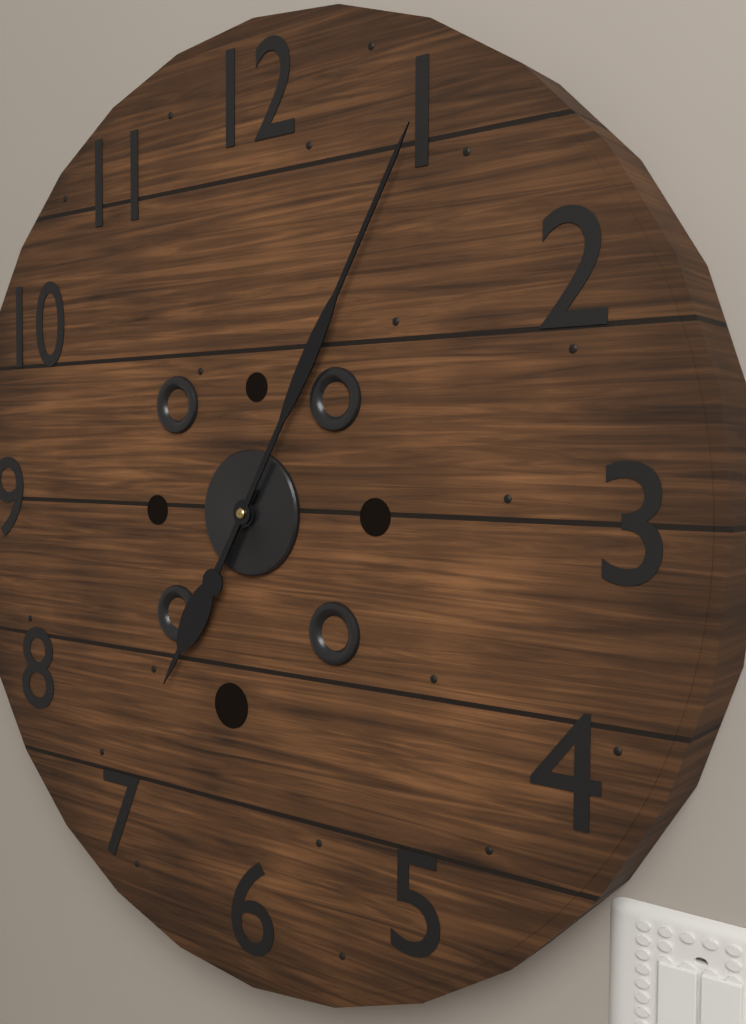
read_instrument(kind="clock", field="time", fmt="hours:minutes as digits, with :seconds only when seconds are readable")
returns 7:05
